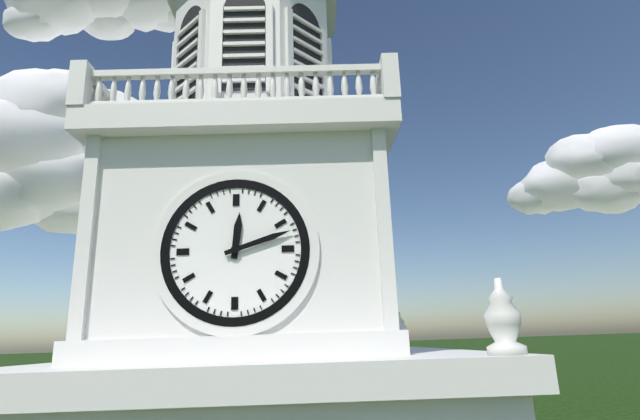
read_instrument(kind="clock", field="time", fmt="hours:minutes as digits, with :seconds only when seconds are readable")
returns 12:12
